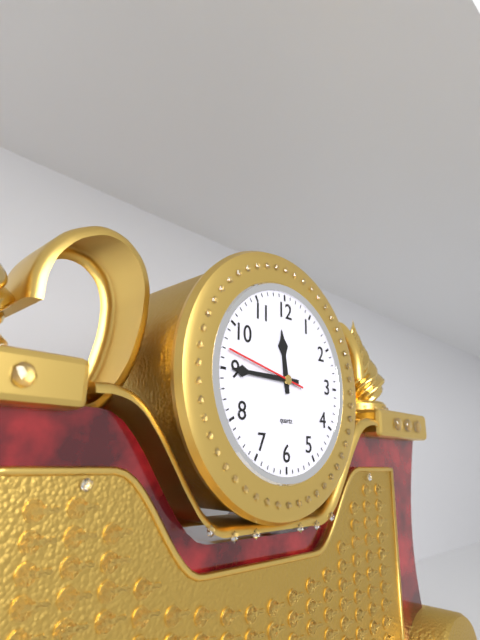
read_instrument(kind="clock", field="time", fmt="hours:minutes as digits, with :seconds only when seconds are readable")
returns 11:45:47
